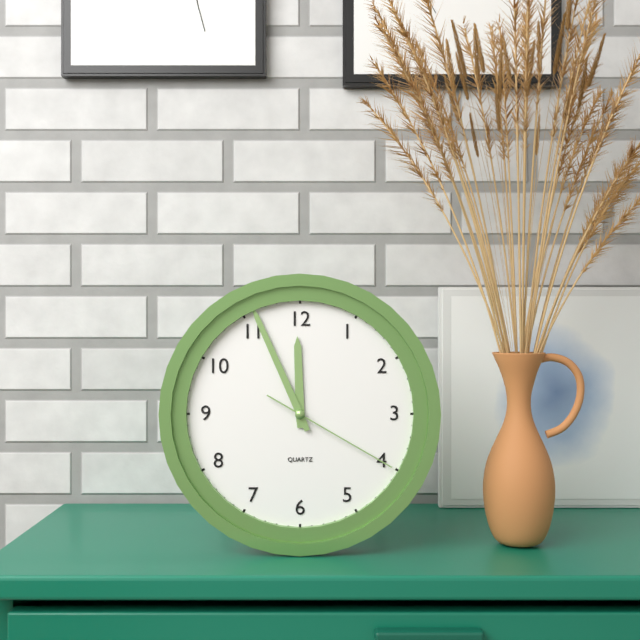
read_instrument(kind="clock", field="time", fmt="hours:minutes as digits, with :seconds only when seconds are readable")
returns 11:56:20
